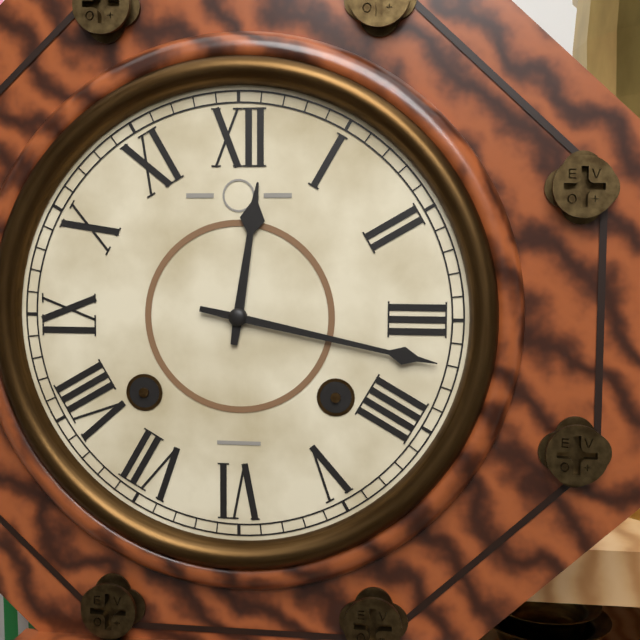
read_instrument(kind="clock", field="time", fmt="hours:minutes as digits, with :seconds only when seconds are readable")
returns 12:17
